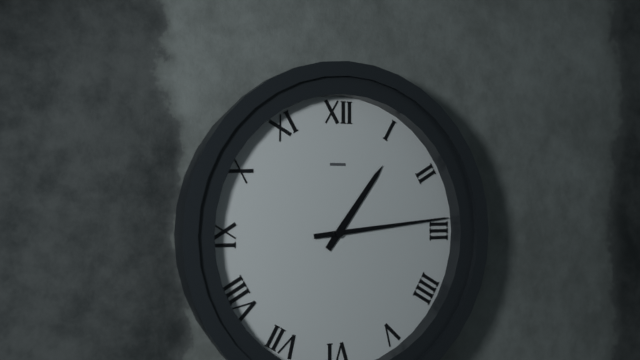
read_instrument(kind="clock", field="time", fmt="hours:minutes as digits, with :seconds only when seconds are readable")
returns 1:14
